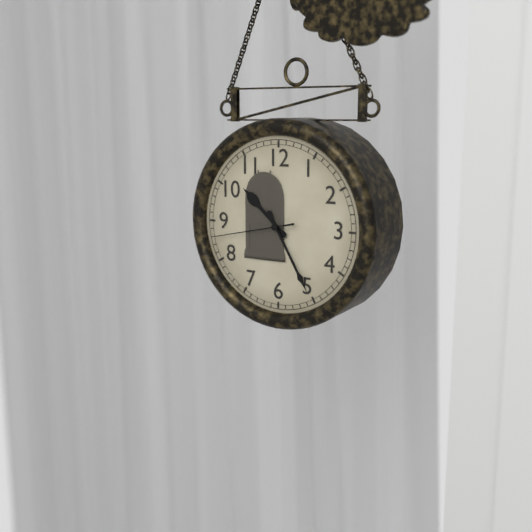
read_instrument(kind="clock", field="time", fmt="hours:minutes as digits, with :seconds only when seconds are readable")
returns 10:25:43
